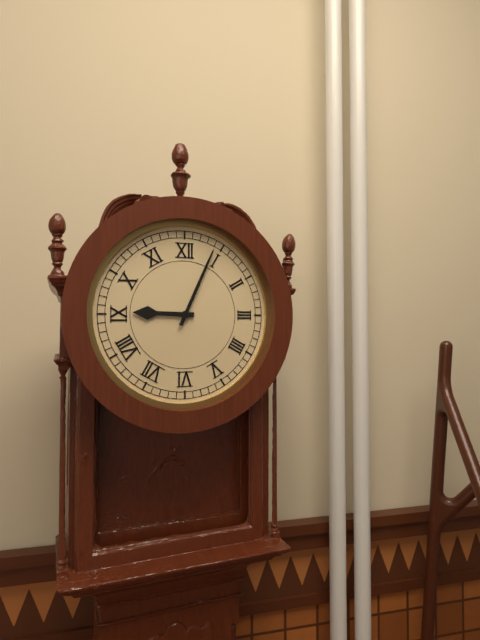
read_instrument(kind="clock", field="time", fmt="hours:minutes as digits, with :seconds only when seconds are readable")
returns 9:04
